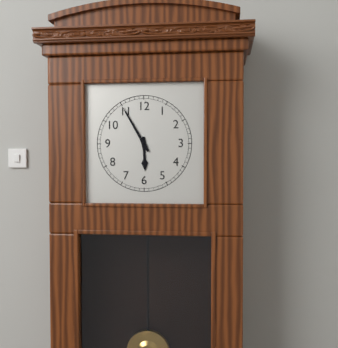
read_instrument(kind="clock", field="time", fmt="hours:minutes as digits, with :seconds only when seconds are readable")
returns 5:55
